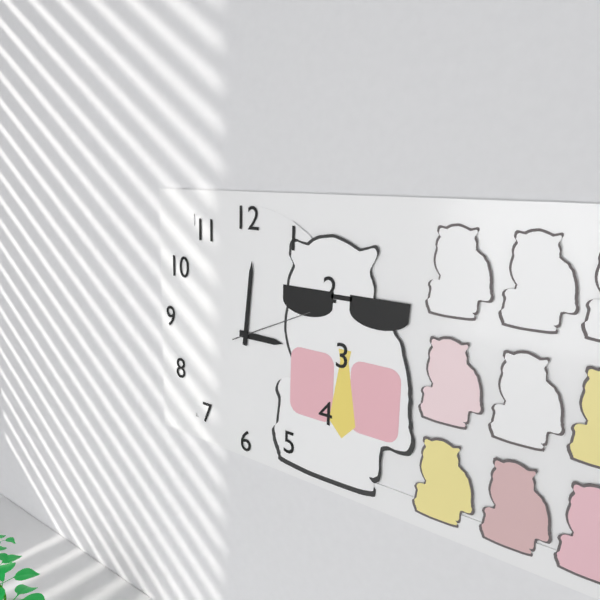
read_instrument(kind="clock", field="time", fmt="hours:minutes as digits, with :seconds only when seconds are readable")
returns 3:01:11
